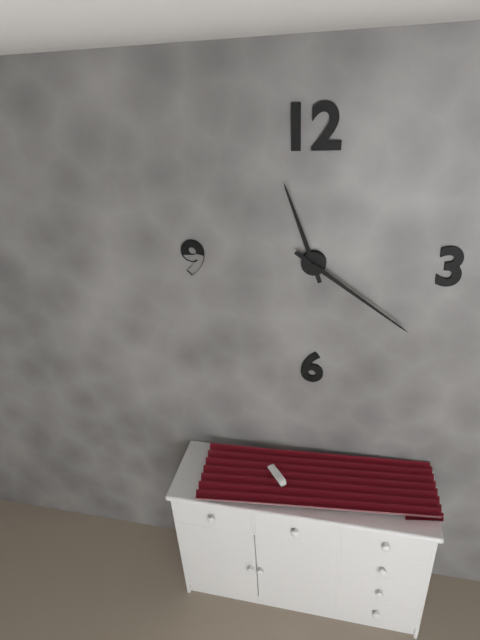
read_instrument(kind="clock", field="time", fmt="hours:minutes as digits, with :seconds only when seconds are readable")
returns 11:21
